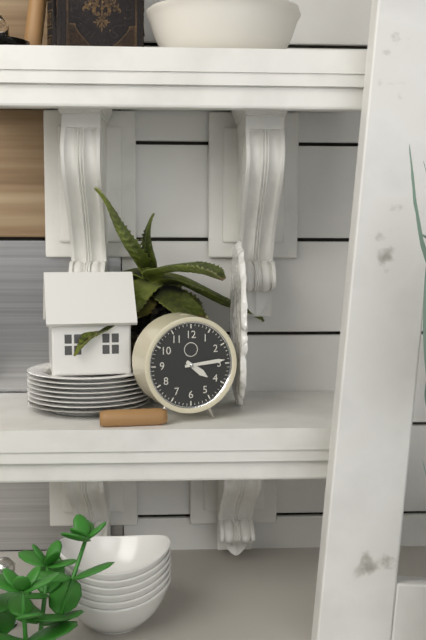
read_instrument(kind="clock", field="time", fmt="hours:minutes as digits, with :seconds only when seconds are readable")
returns 4:14
